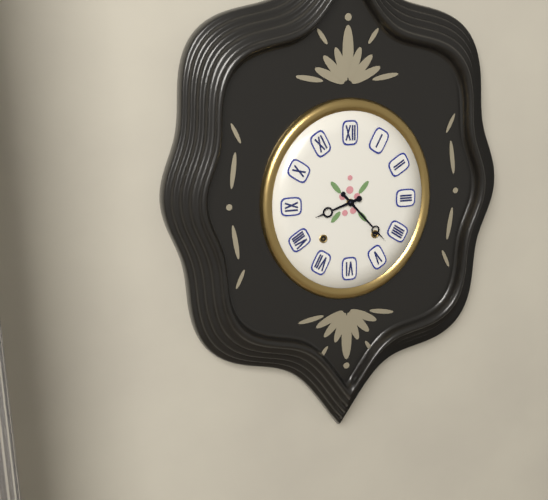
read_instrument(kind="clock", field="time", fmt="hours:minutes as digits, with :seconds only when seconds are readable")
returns 8:23
